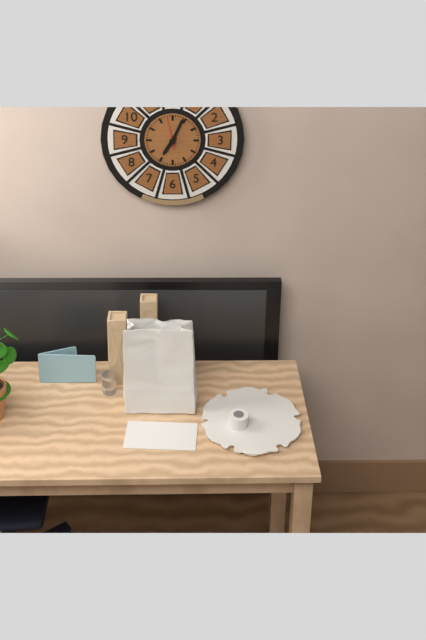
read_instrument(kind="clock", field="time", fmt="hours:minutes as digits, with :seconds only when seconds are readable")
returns 7:04
